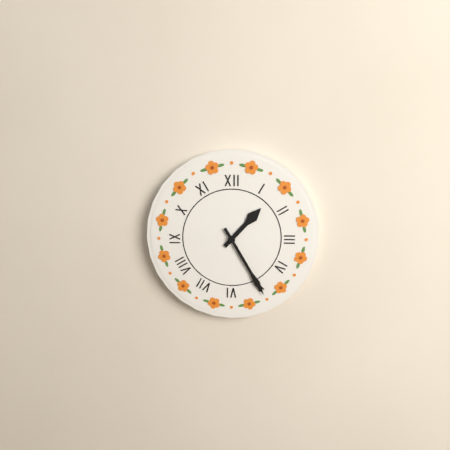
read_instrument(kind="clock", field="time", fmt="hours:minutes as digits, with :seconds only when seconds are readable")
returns 1:25
